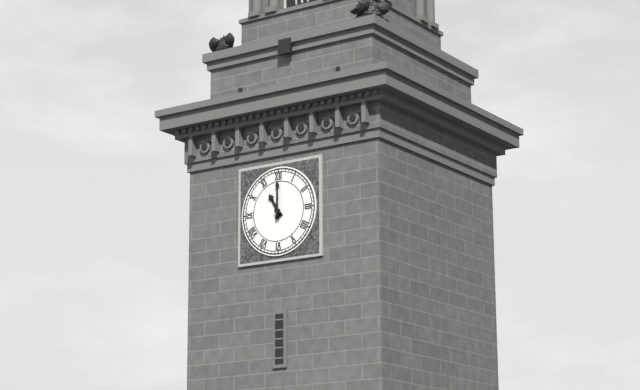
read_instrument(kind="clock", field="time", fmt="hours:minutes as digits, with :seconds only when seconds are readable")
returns 11:00
